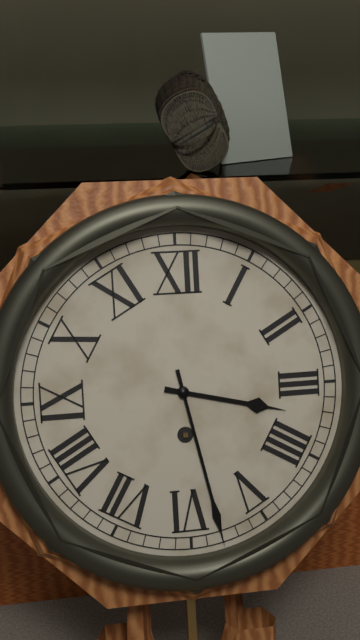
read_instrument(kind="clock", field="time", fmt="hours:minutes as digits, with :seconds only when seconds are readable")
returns 3:28
